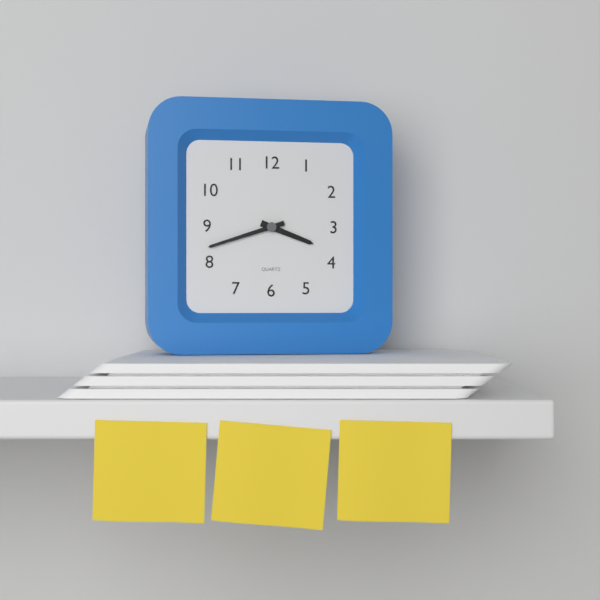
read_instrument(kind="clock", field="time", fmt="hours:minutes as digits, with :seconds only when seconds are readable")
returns 3:42
